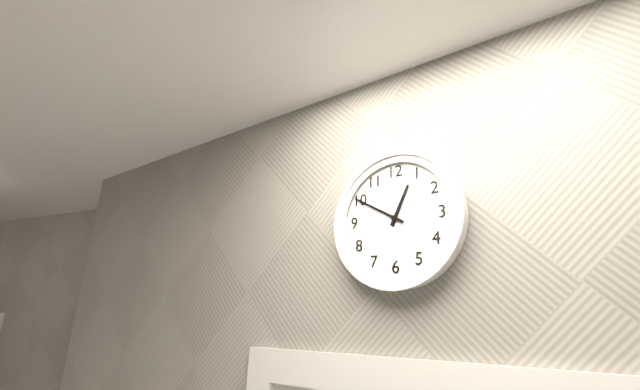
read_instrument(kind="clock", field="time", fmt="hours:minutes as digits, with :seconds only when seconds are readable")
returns 12:50
